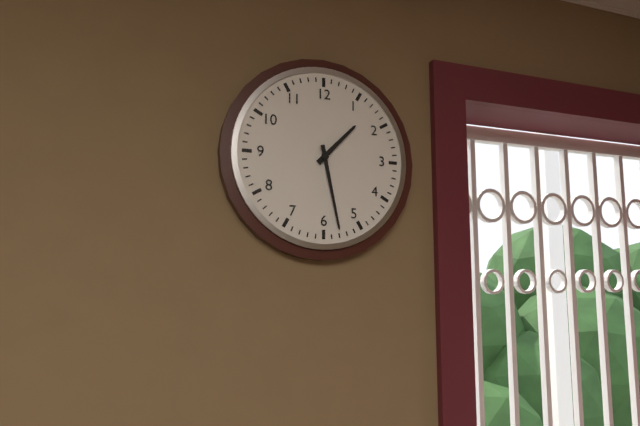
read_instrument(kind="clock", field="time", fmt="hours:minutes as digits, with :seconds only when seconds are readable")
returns 1:28
